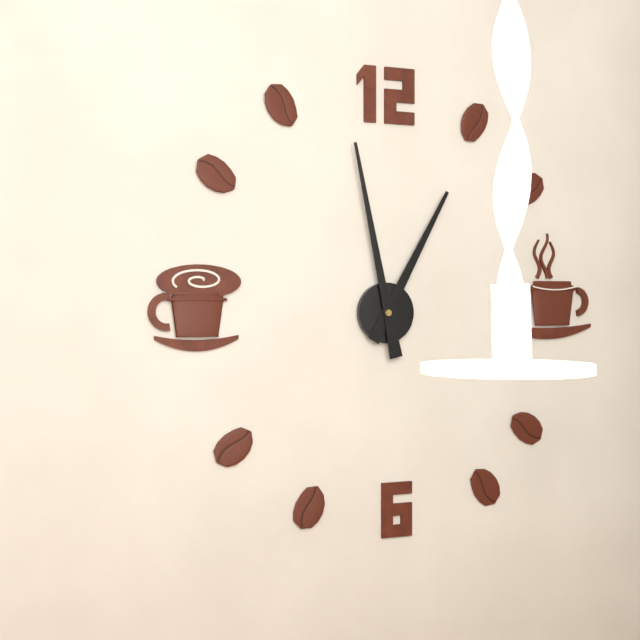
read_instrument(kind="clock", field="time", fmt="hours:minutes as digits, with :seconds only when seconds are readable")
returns 12:58
